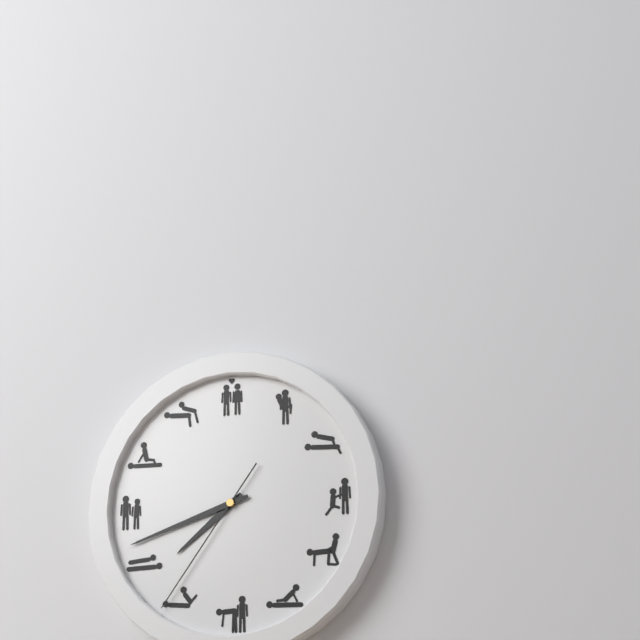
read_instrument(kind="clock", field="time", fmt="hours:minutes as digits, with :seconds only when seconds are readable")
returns 7:42:36
